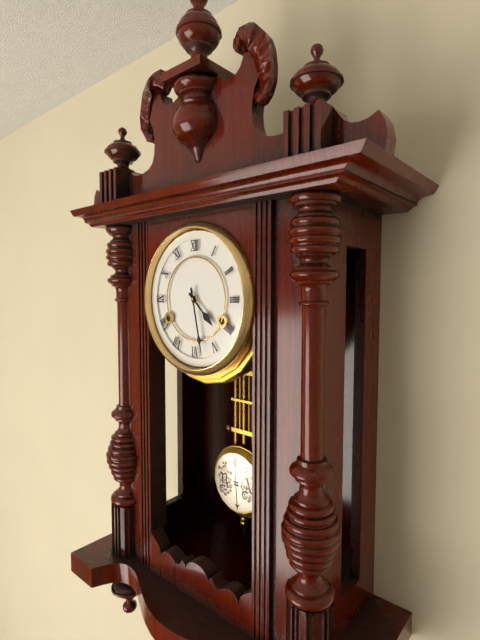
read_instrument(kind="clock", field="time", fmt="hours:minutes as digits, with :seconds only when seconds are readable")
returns 4:28
